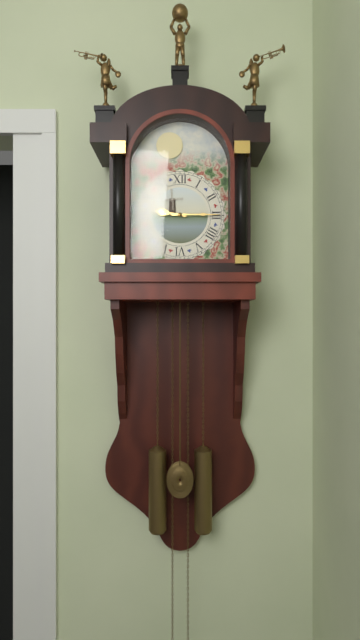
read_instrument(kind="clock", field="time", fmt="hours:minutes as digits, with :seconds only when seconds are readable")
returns 9:15
